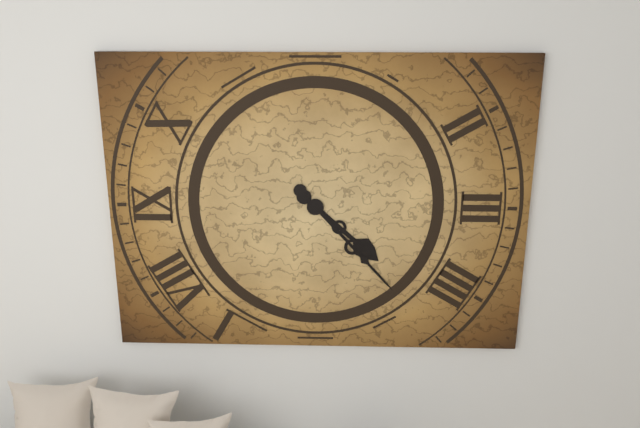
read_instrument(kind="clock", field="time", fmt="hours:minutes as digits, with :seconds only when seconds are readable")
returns 4:23
